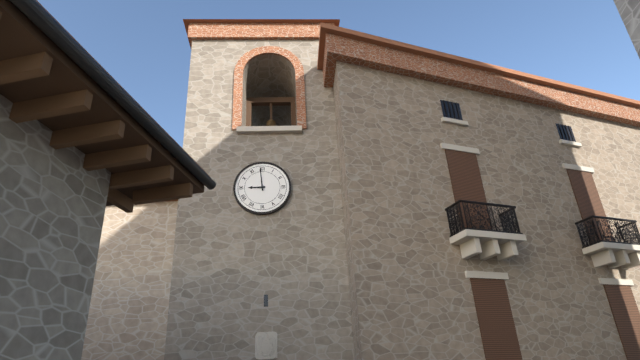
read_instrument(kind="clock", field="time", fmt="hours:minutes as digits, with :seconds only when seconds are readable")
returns 8:59
